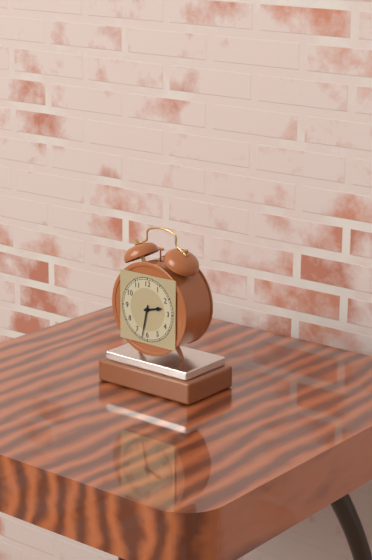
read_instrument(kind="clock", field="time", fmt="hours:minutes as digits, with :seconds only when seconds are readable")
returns 2:32
